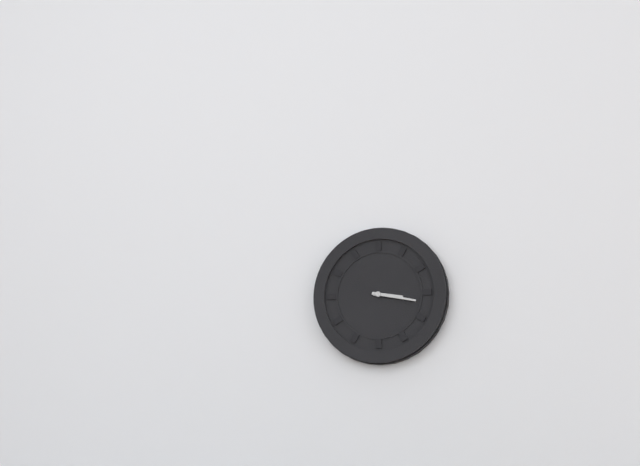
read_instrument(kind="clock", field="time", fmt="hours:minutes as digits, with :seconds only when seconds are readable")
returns 3:17
